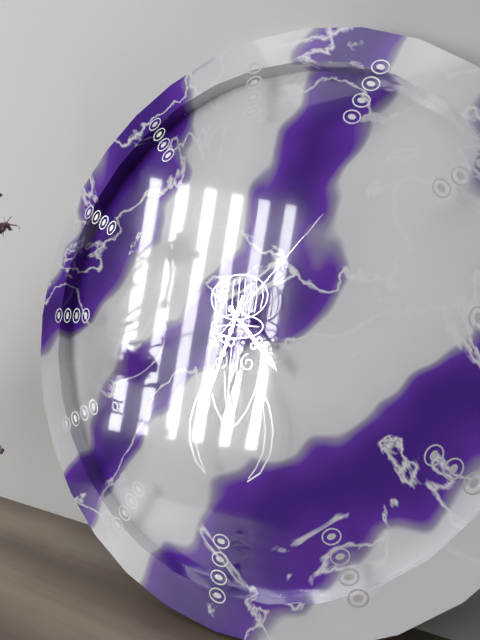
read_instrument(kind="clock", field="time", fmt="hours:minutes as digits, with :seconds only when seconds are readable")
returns 4:33:07
